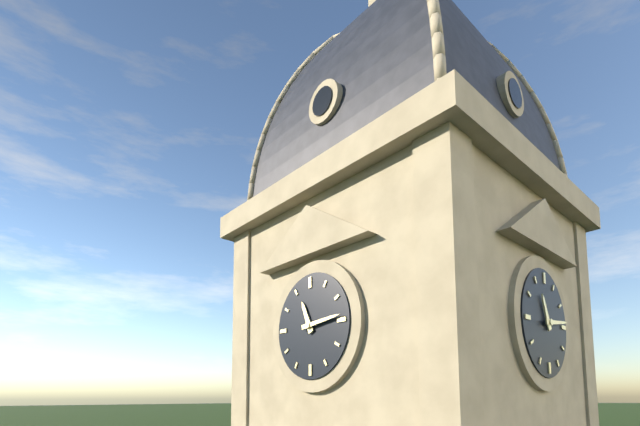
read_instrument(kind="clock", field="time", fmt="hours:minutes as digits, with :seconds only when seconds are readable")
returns 11:14
